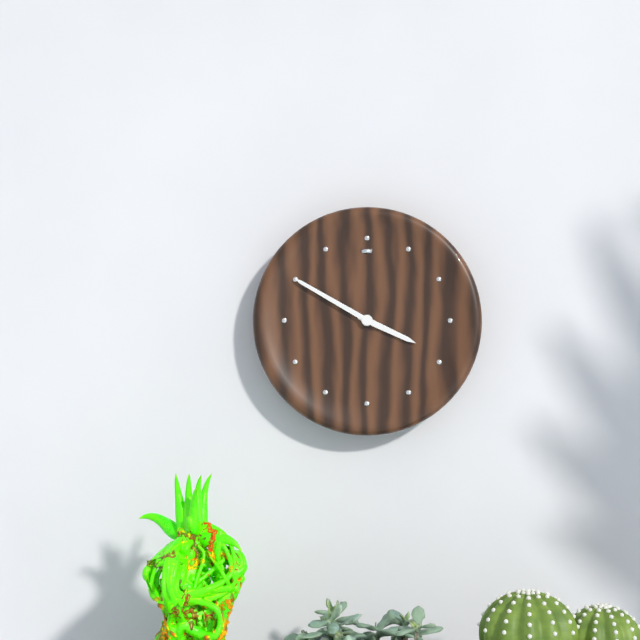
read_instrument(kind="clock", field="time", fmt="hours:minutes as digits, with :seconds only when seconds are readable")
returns 3:50
